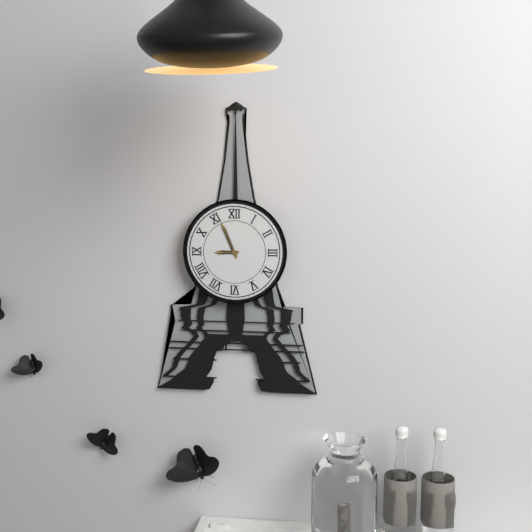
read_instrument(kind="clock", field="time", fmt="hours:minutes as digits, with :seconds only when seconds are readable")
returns 8:56
